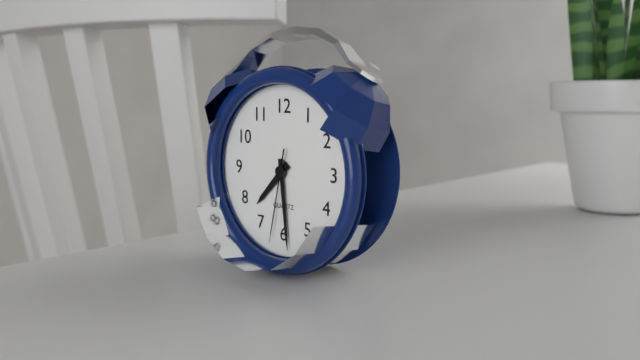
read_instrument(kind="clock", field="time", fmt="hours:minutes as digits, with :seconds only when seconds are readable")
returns 7:29:32
